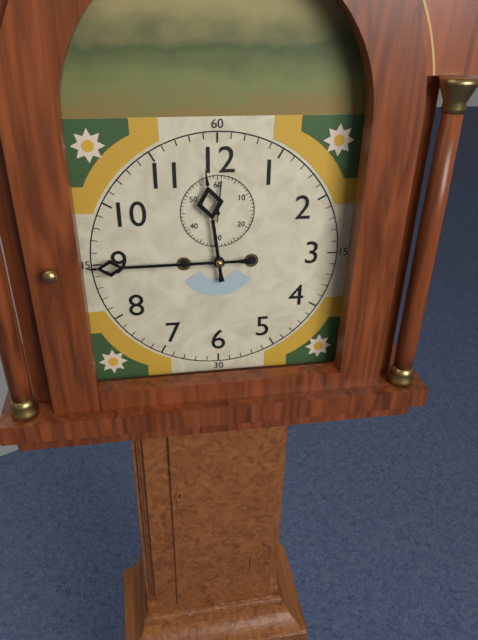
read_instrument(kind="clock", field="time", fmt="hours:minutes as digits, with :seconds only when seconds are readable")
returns 11:45
